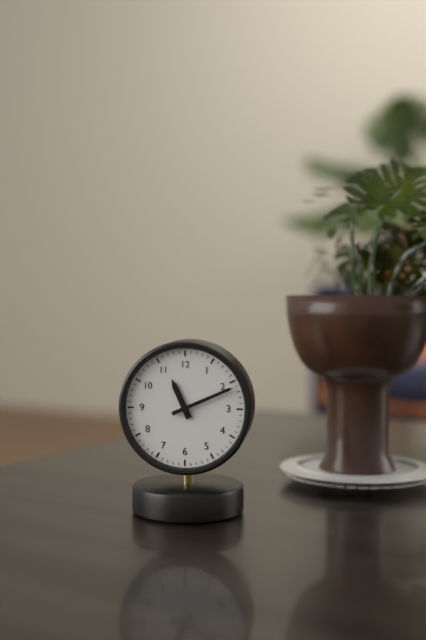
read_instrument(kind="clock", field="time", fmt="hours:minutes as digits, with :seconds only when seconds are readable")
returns 11:11
